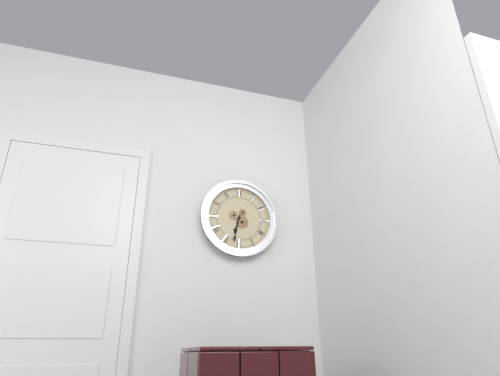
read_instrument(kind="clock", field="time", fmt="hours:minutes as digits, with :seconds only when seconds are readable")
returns 6:32
